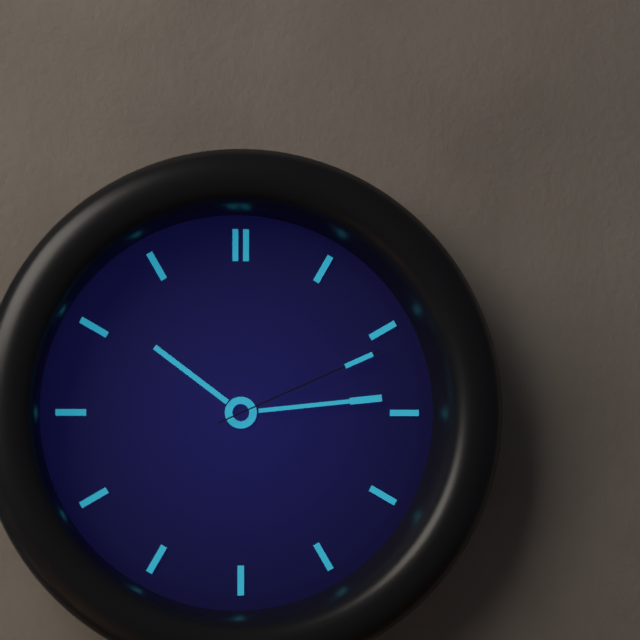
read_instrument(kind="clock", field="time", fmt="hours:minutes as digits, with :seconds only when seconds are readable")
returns 10:14:11
